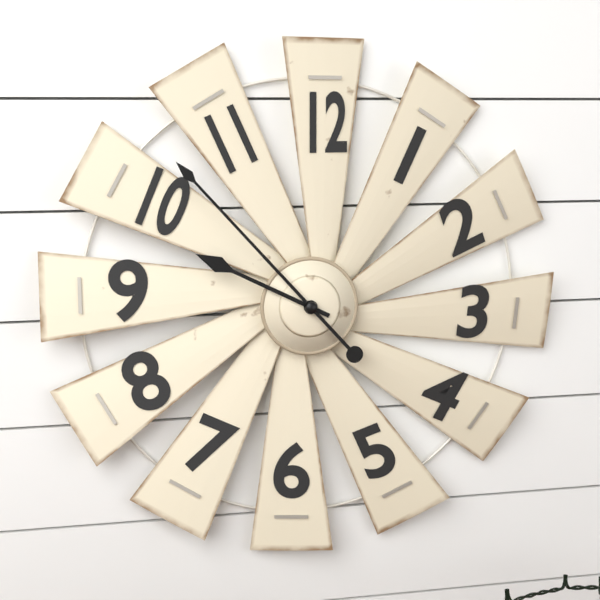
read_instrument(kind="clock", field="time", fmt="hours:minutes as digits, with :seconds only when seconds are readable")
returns 9:53
